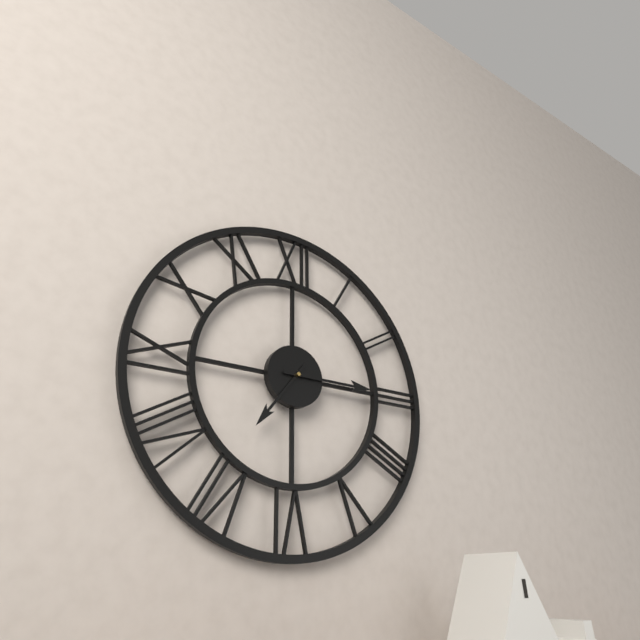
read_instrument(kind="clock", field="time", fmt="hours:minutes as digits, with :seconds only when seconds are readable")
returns 7:15
